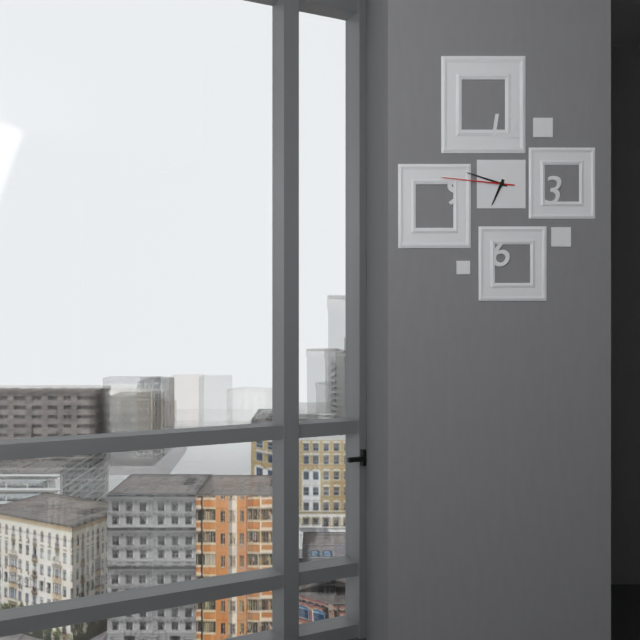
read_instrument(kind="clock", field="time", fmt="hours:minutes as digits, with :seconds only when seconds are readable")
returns 6:48:46
